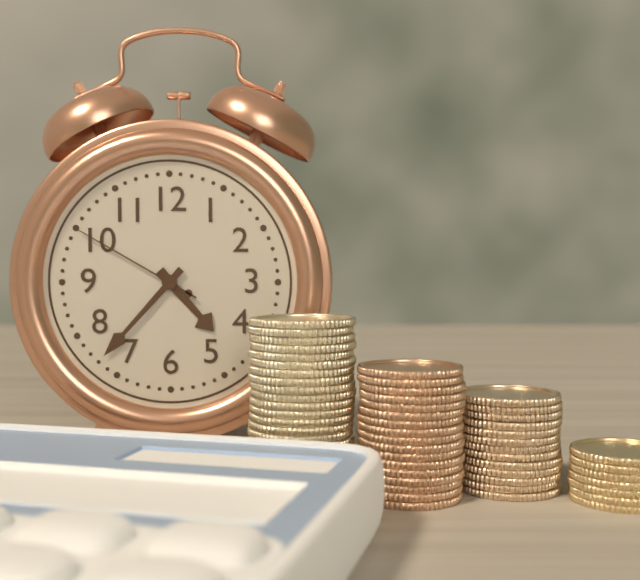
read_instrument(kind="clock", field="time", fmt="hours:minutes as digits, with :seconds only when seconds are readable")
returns 4:37:50
